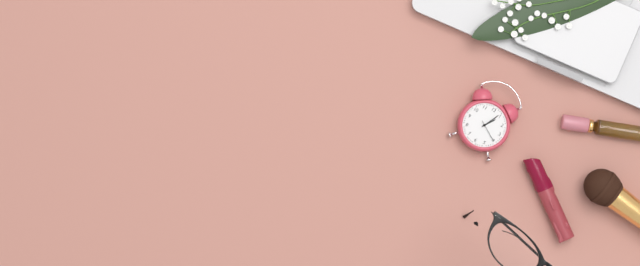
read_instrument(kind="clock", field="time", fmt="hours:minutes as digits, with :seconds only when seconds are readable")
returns 1:04
